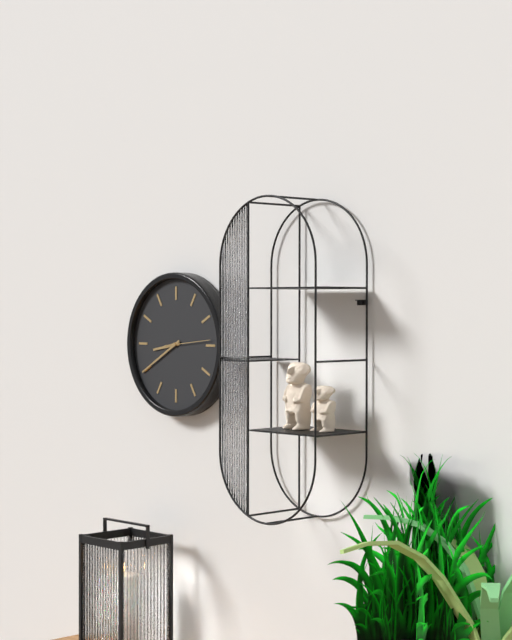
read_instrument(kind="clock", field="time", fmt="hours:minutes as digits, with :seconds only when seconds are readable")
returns 8:40
